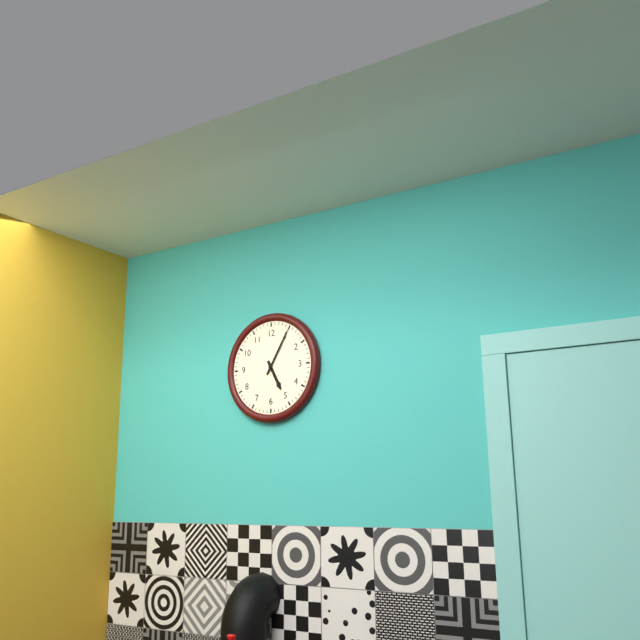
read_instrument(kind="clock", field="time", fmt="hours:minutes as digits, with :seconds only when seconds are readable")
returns 5:05
